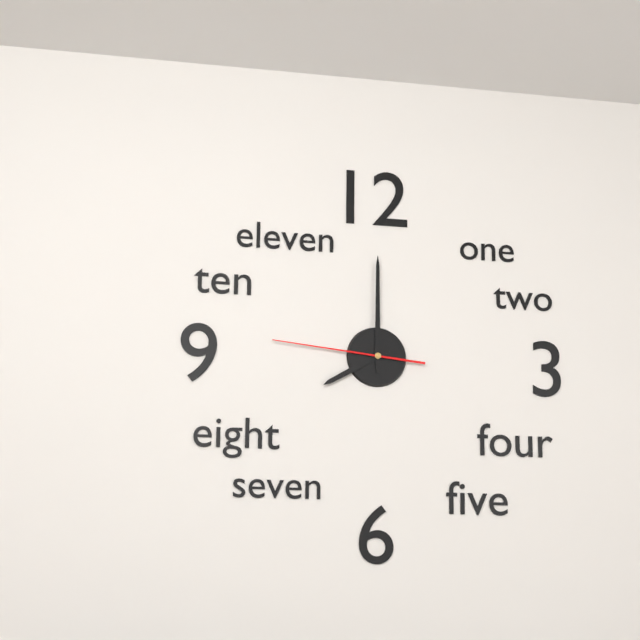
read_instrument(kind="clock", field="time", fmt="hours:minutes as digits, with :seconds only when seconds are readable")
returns 8:00:46
